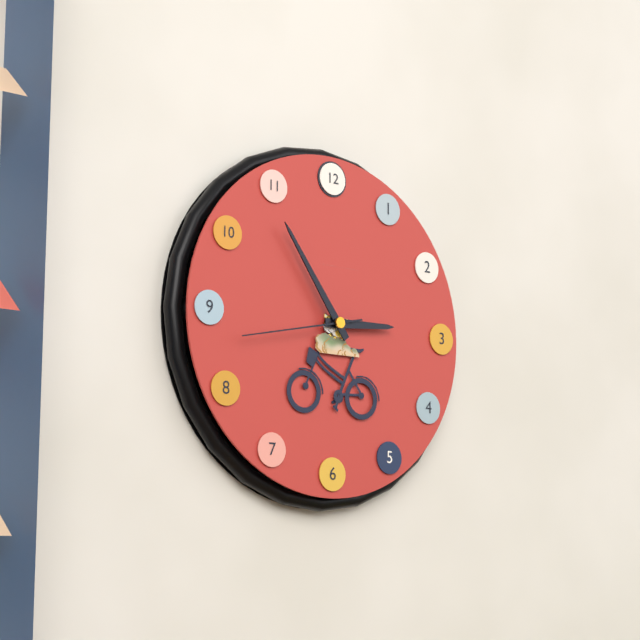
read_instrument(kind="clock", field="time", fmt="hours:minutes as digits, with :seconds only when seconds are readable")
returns 2:54:43
